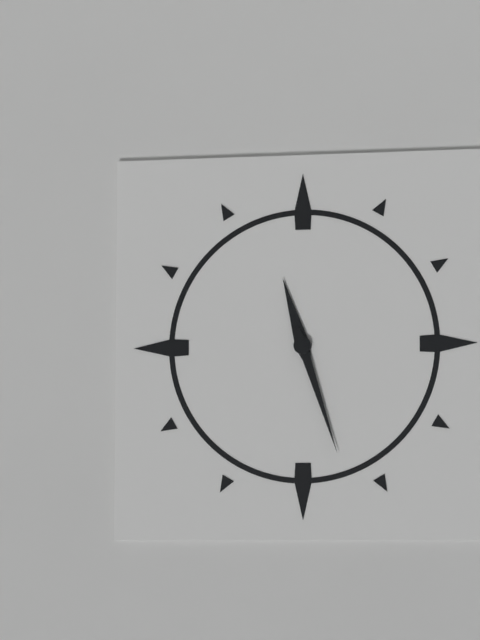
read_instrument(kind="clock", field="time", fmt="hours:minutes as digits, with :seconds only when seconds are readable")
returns 11:27
